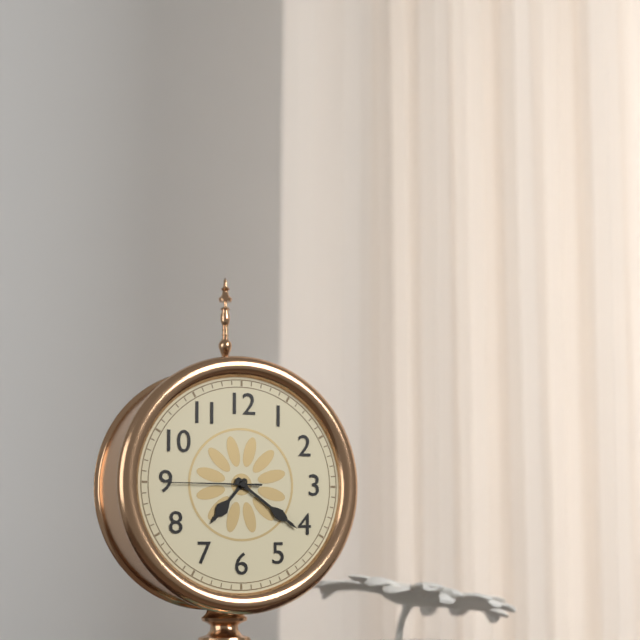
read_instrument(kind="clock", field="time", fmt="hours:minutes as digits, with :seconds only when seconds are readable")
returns 7:21:45
